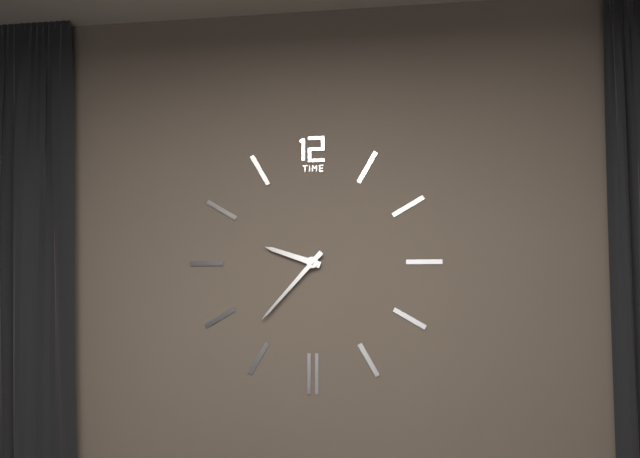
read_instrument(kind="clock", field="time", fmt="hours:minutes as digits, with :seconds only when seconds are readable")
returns 9:37
